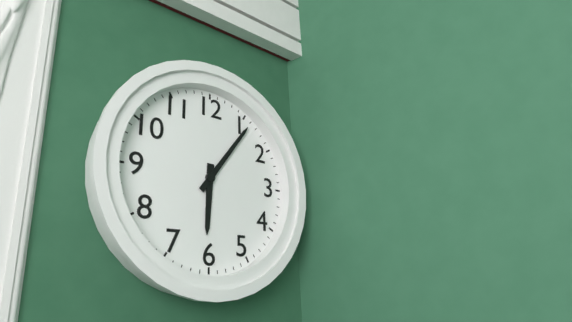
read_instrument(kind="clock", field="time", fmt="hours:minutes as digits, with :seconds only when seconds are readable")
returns 6:06
